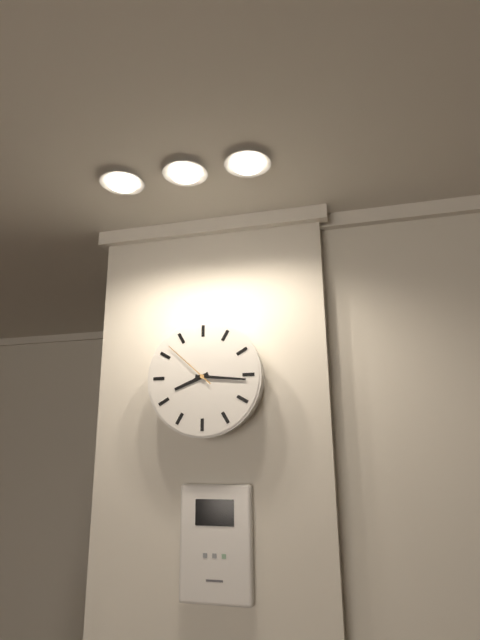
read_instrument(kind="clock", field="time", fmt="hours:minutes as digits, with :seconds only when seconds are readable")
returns 8:16:52
